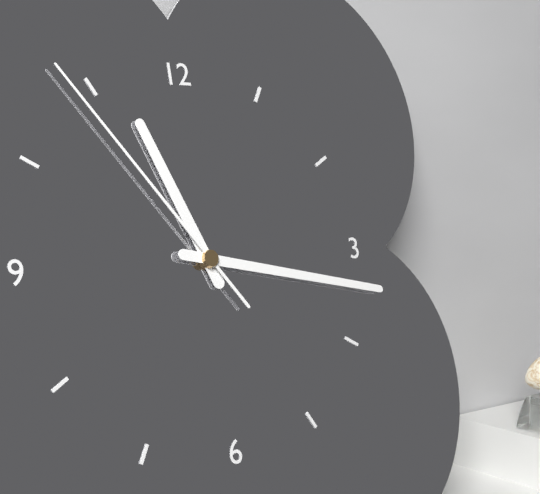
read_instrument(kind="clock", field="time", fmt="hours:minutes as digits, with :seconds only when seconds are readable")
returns 11:17:54
